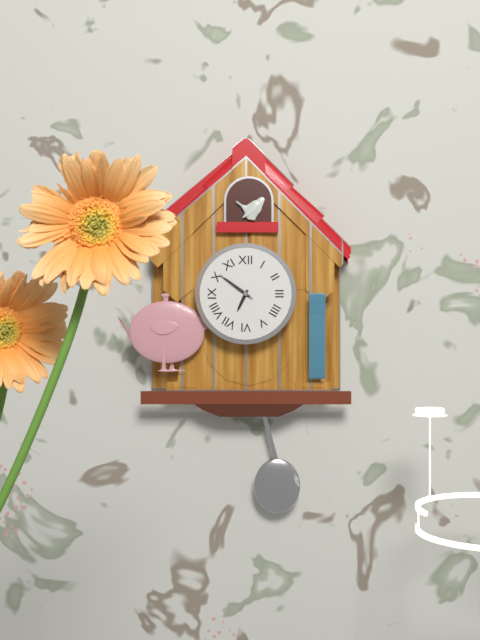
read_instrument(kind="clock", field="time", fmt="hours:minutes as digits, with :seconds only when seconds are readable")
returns 6:51
